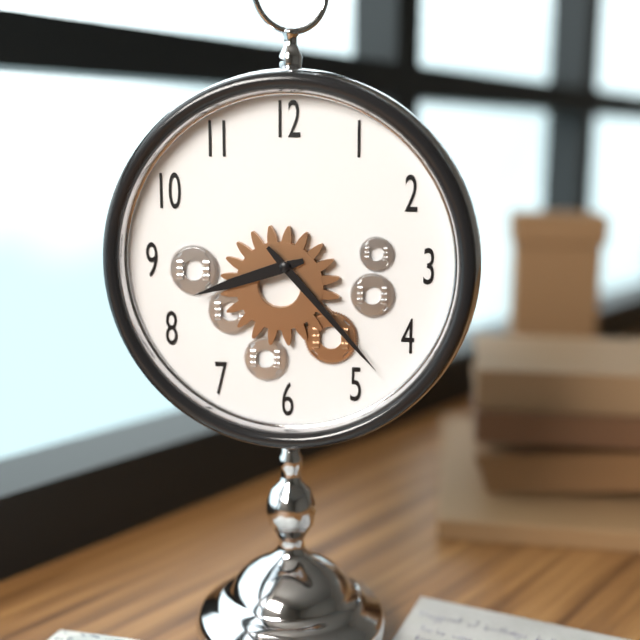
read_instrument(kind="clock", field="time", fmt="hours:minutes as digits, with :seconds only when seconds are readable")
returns 8:23
